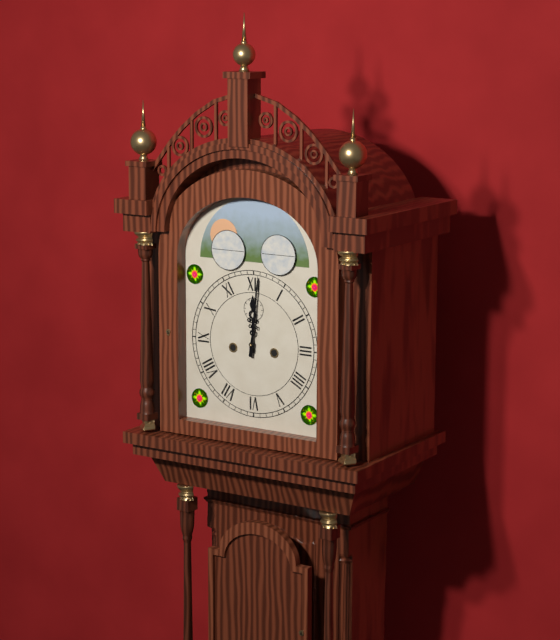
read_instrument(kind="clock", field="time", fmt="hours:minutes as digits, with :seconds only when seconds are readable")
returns 12:01
